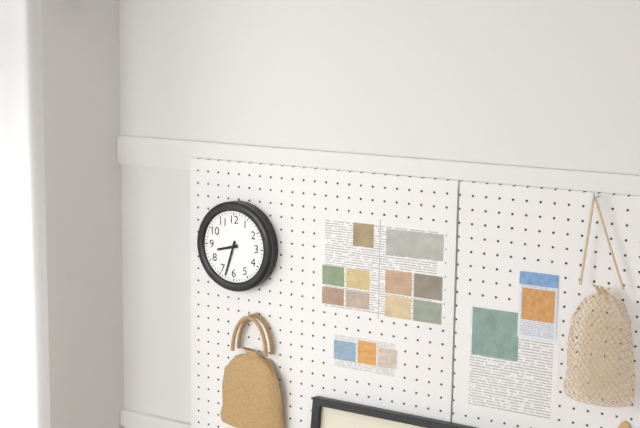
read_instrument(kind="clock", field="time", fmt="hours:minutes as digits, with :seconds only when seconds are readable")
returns 8:33
